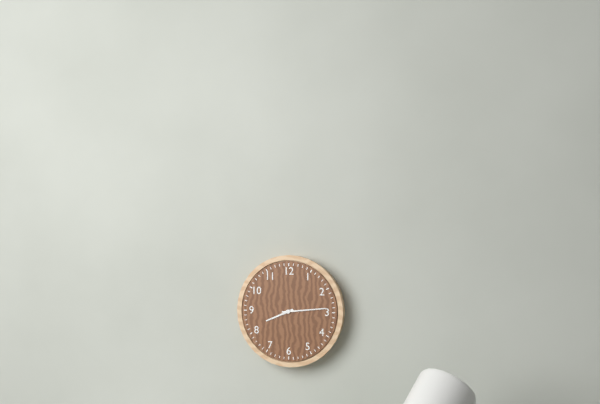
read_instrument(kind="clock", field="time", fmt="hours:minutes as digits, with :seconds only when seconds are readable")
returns 8:14
